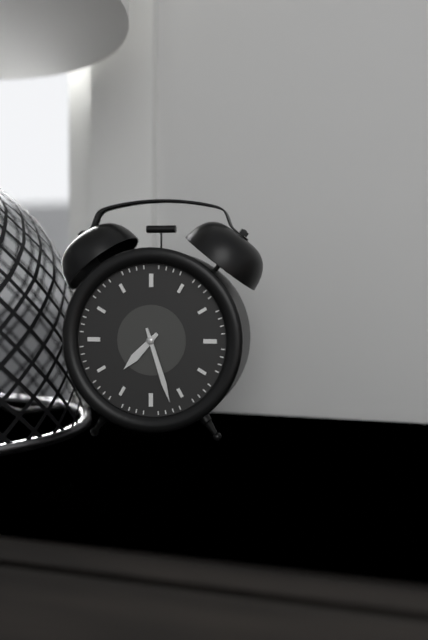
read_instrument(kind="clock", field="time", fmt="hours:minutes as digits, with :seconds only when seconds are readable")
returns 7:27
